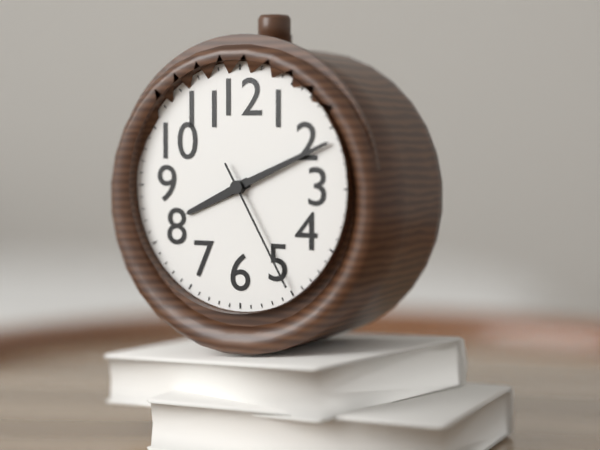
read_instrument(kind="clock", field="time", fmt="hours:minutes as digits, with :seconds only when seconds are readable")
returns 8:11:25
